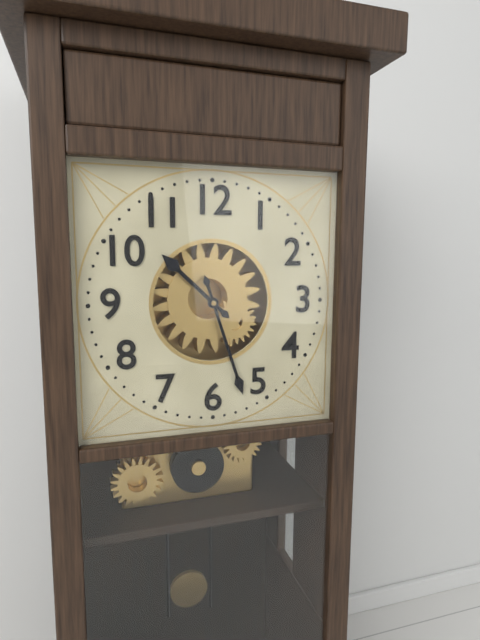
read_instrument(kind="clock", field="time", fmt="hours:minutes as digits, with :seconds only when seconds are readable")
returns 10:27
